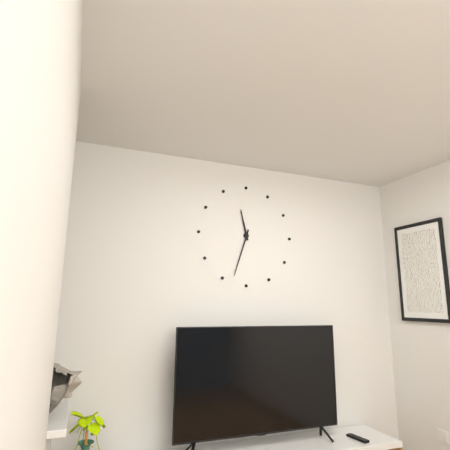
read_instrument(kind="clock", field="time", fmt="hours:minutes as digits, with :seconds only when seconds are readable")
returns 11:33
